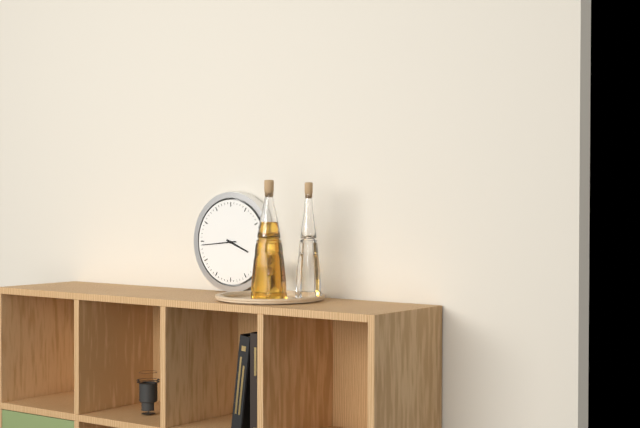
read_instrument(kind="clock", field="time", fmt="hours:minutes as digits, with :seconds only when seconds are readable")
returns 3:44
